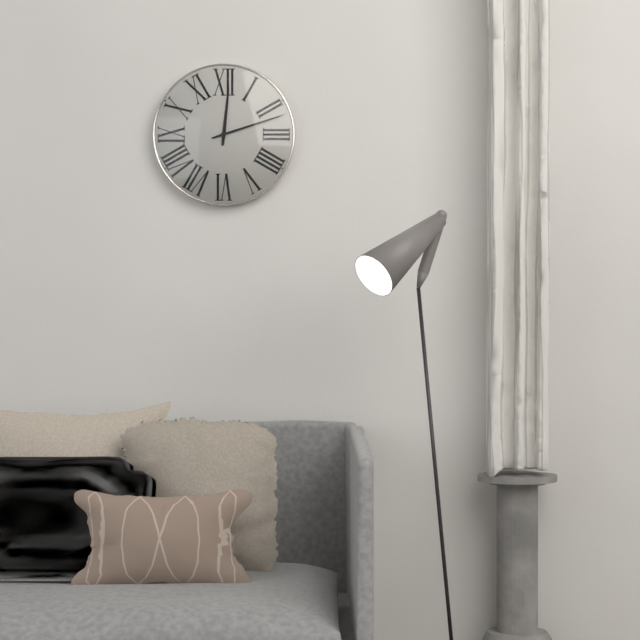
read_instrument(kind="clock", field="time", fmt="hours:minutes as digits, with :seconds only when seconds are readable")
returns 12:12
